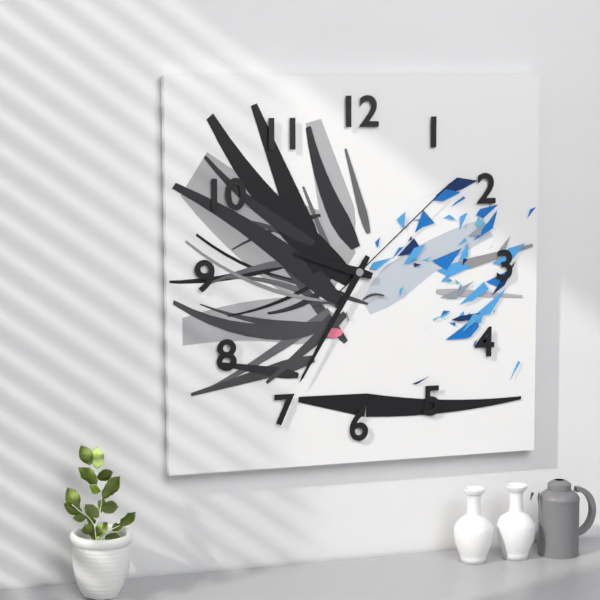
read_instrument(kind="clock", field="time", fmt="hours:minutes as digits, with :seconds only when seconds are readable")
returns 9:35:08
